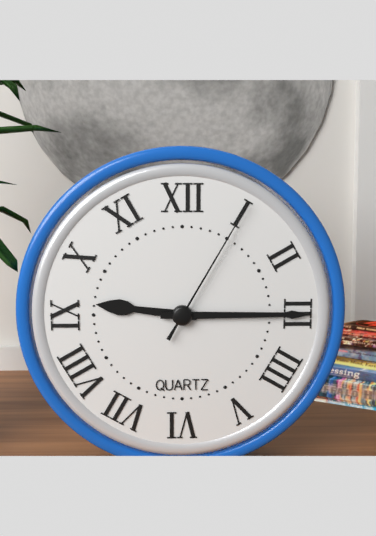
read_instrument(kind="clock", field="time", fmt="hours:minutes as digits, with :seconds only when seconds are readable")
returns 9:15:05
